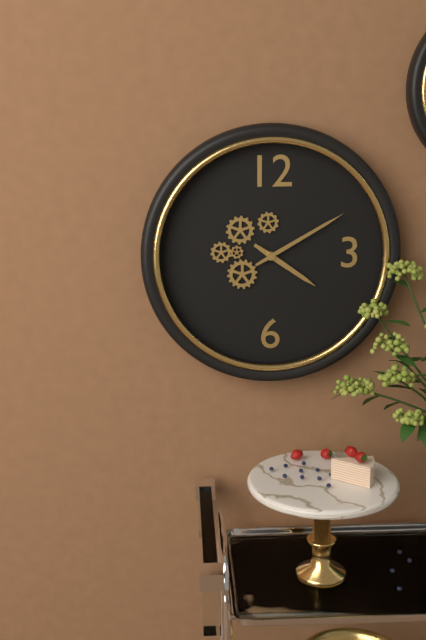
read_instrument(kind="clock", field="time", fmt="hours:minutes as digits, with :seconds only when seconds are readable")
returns 4:10
